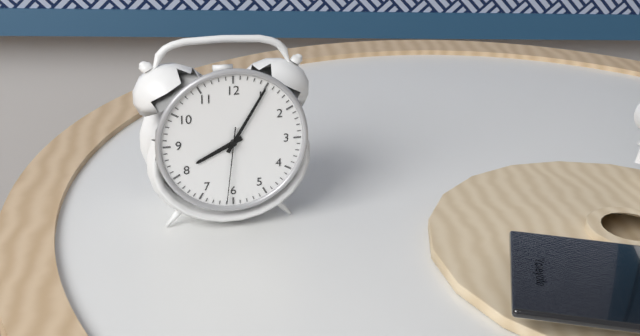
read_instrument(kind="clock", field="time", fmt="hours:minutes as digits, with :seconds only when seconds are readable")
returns 8:05:31
